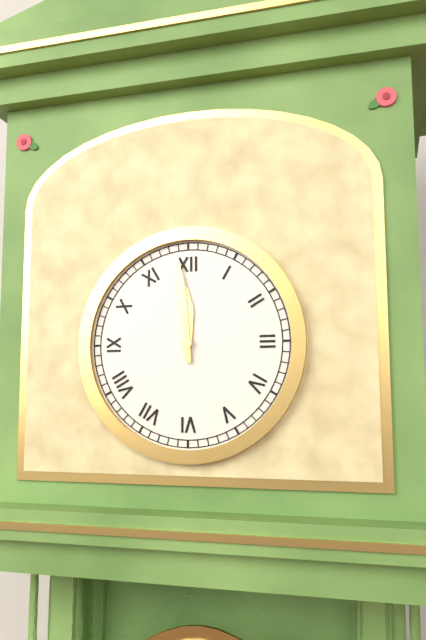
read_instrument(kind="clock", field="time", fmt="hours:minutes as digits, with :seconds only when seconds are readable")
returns 11:59
